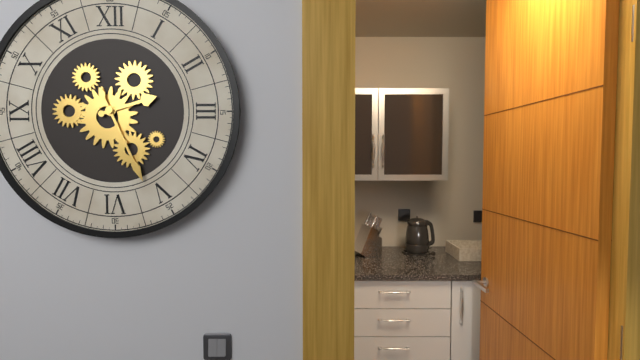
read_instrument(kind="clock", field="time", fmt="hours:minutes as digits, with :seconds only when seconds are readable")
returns 2:26
